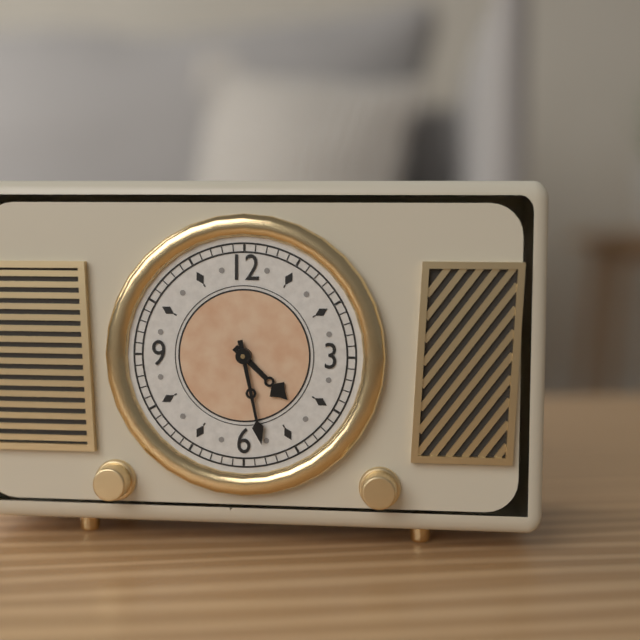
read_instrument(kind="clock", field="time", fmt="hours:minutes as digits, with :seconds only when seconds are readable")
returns 4:28
